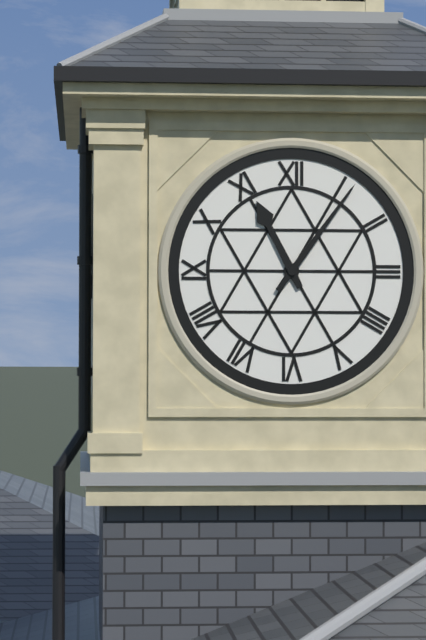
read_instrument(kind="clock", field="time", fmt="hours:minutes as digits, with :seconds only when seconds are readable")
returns 11:06
